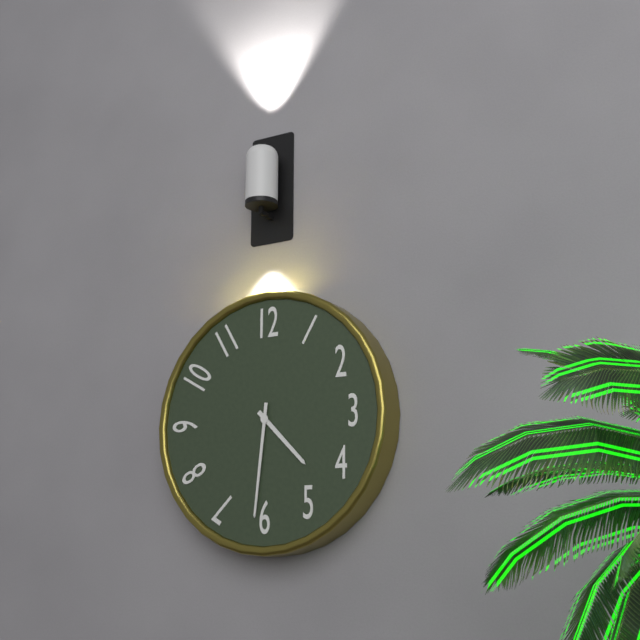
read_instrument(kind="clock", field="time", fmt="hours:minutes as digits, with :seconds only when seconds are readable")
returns 4:31
